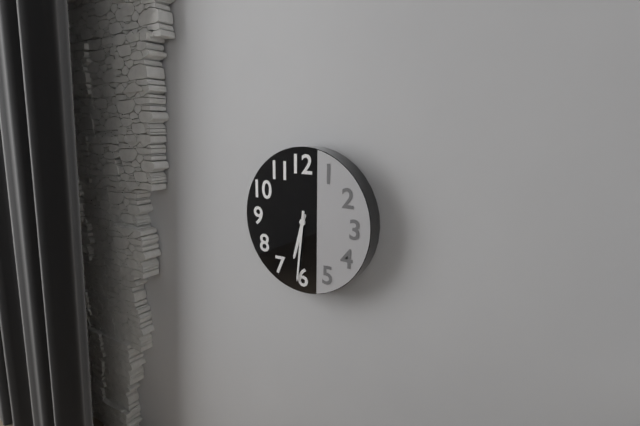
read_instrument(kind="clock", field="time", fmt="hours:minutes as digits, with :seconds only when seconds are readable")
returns 6:31
